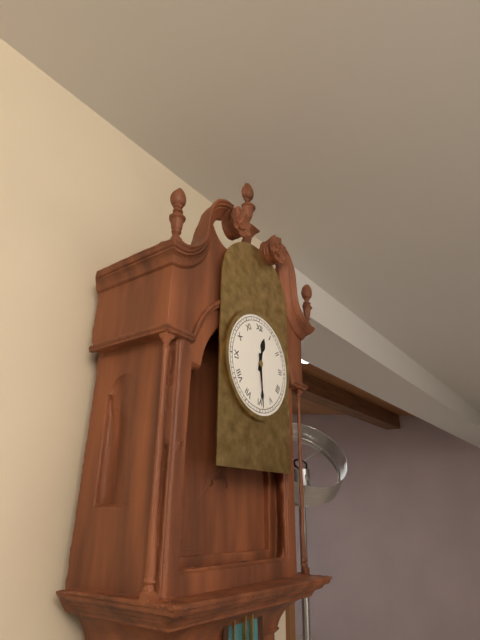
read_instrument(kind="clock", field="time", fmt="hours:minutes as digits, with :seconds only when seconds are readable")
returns 12:29
